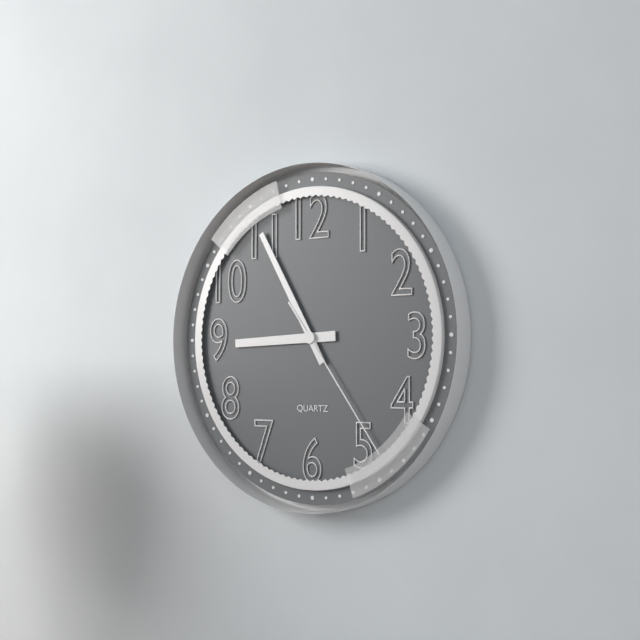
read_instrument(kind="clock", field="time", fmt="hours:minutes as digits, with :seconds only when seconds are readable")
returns 8:55:24
